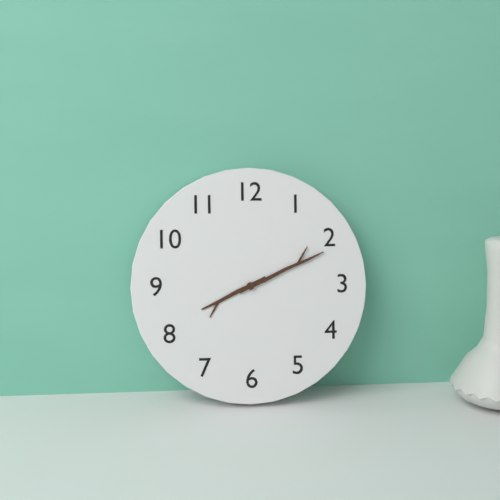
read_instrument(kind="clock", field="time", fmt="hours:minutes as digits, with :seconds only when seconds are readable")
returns 8:11
